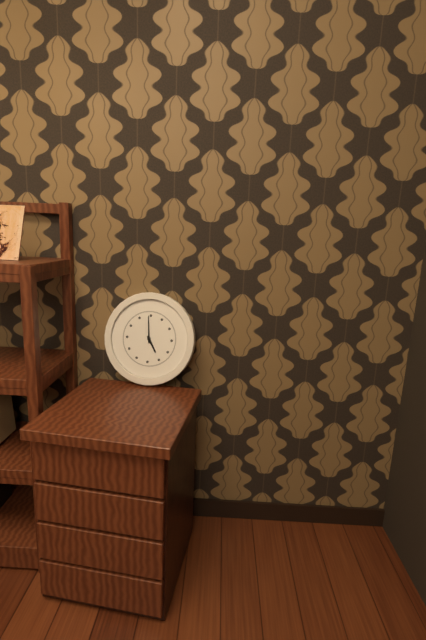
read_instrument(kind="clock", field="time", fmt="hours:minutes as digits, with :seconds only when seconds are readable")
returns 4:59
